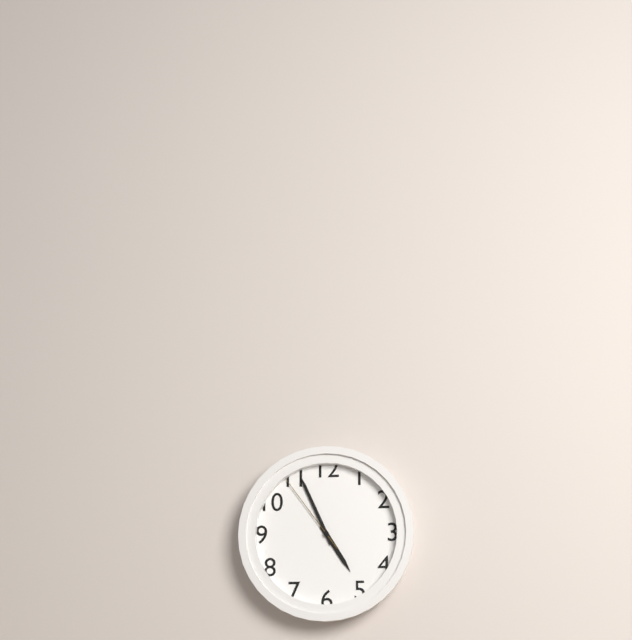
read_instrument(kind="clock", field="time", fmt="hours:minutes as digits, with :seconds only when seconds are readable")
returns 4:56:54
